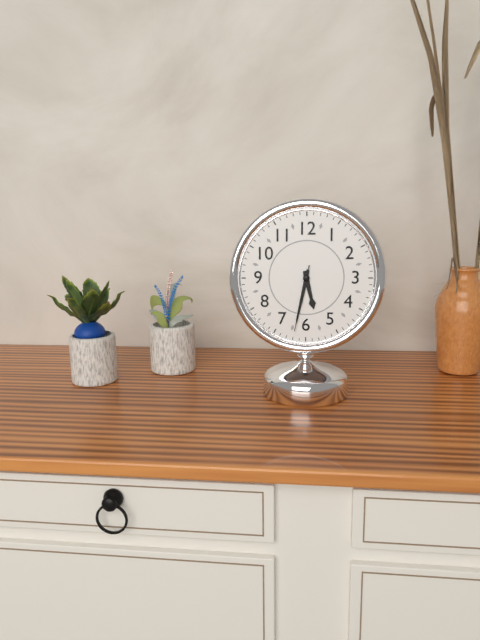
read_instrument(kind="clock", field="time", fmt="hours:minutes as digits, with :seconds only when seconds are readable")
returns 5:32:32
